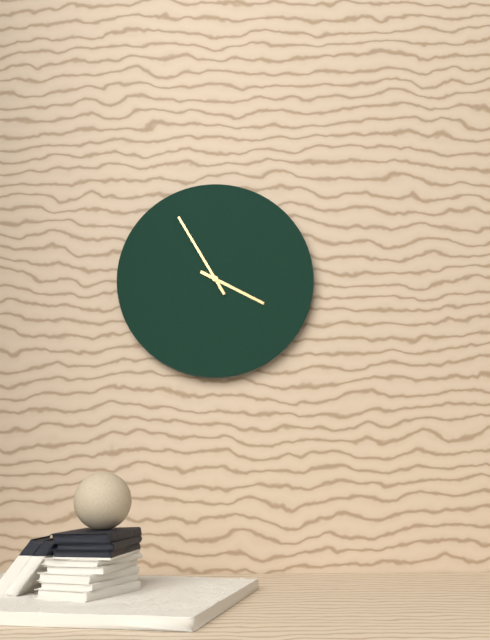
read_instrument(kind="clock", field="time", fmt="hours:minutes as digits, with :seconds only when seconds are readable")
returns 3:55
